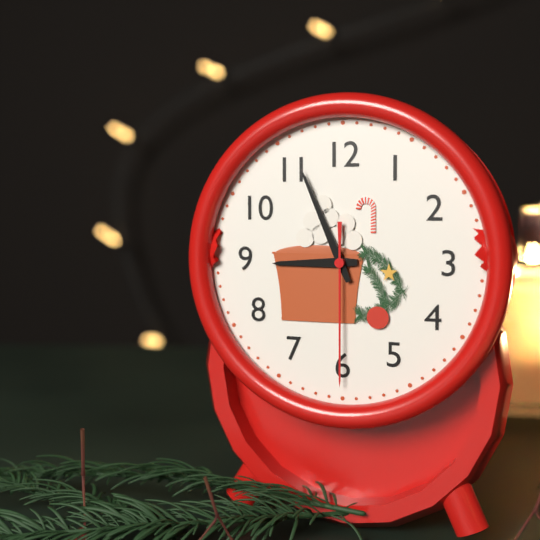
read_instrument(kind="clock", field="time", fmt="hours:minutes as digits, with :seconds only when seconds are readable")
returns 8:56:30
